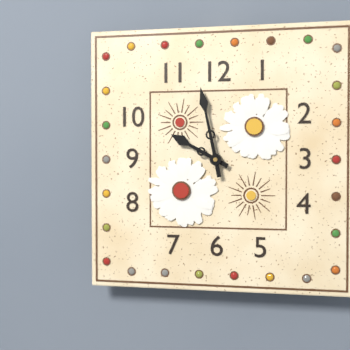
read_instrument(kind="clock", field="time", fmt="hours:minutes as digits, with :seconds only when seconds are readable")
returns 9:58
